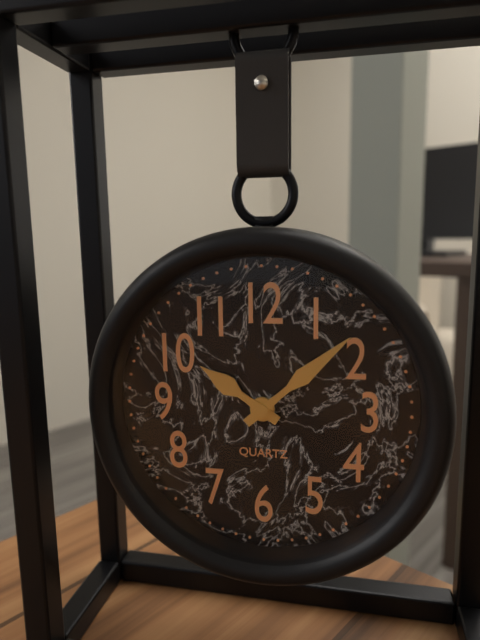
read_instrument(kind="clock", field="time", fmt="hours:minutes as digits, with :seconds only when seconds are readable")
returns 10:08
